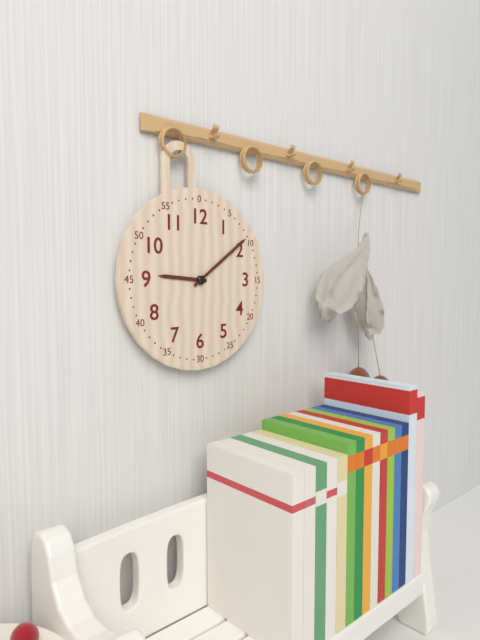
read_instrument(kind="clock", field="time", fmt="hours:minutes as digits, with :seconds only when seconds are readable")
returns 9:09
